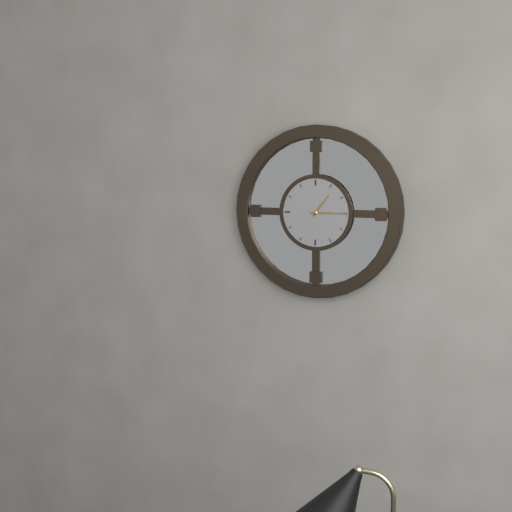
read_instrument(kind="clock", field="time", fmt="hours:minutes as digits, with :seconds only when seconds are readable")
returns 1:15
